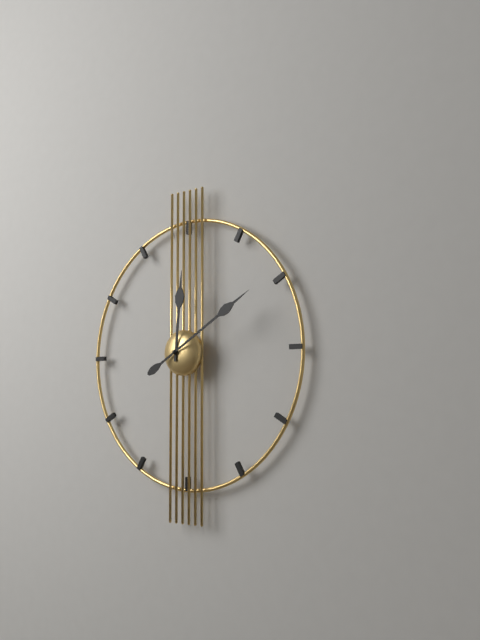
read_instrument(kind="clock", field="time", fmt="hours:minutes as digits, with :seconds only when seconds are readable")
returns 12:10
